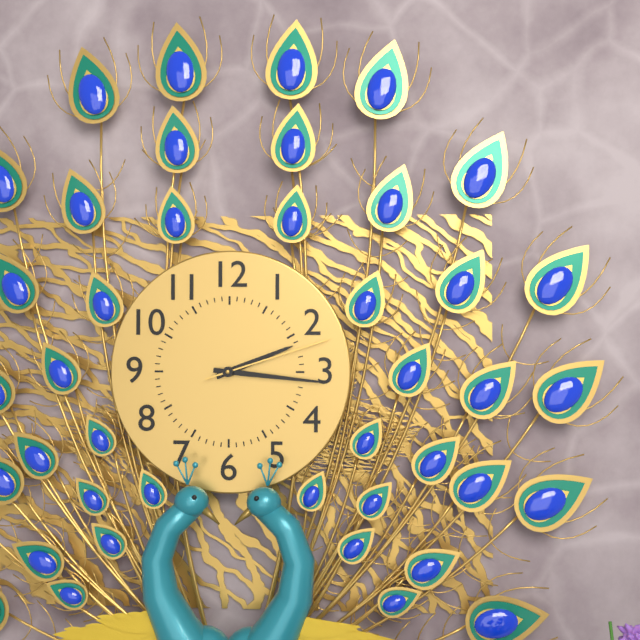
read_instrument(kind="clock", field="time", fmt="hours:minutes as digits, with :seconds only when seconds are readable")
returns 2:16:12
